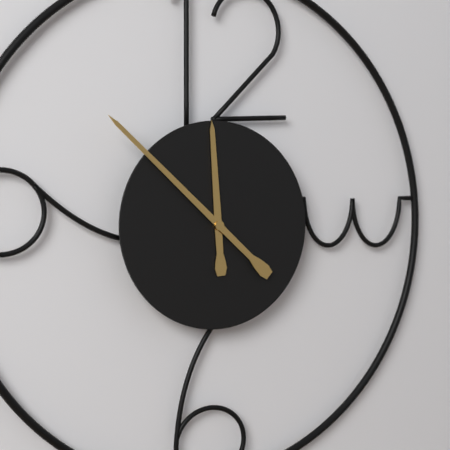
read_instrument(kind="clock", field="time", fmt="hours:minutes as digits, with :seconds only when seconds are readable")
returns 11:52
